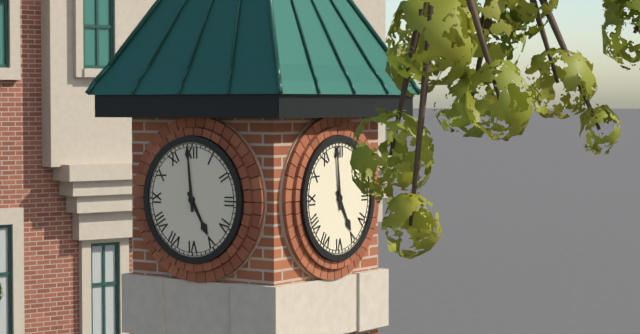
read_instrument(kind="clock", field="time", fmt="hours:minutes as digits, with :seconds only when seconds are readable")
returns 4:59
